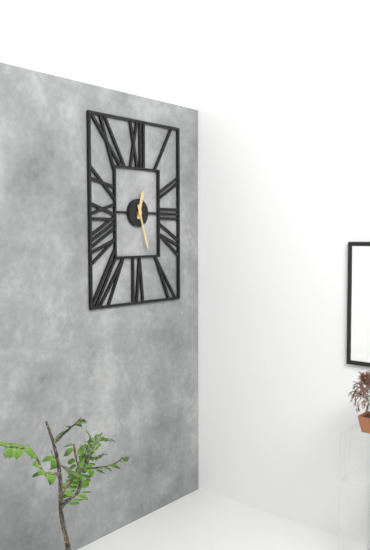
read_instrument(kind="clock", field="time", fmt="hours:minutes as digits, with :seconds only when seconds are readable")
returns 12:27
